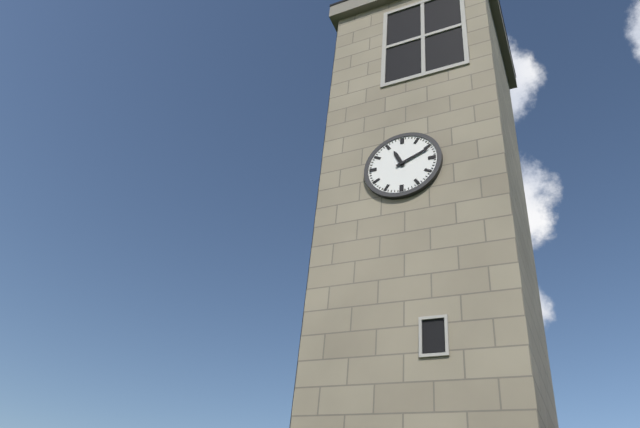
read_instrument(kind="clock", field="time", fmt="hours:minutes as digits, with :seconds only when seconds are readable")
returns 11:11
